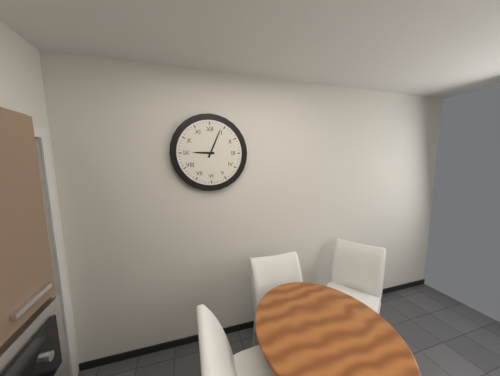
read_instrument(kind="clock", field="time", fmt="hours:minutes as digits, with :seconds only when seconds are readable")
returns 9:04
